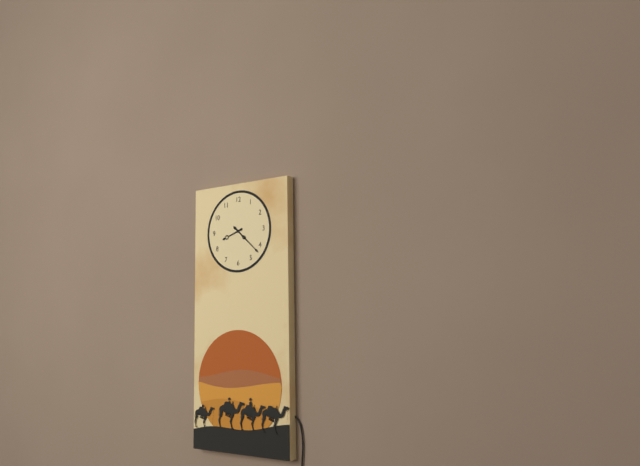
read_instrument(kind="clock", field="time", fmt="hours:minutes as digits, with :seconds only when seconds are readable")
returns 8:22
